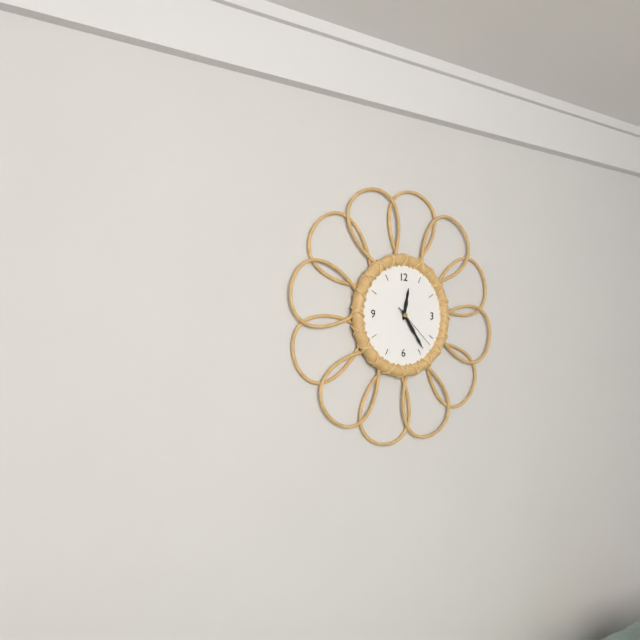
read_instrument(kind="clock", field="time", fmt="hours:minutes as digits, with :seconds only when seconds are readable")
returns 12:24
